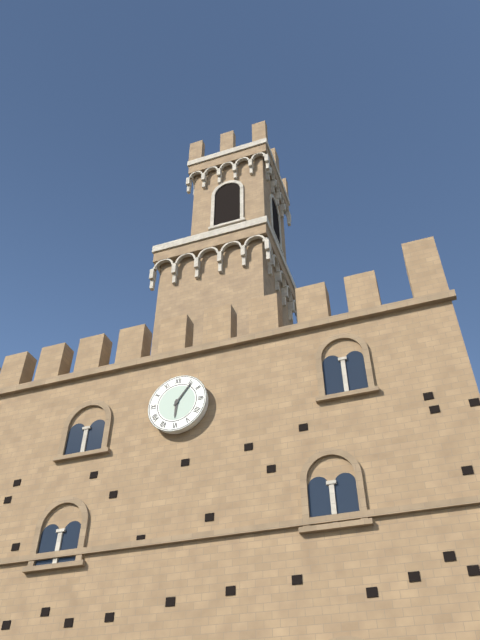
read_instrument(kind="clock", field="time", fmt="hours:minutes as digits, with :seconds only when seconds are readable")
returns 6:06
